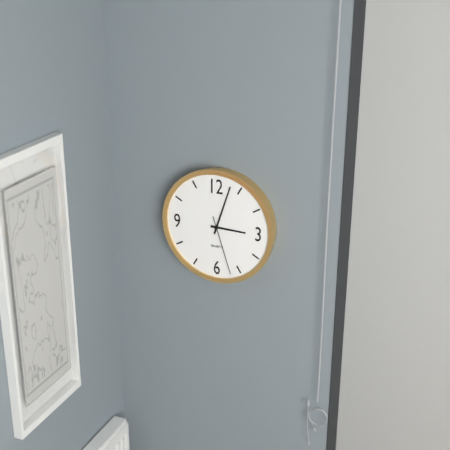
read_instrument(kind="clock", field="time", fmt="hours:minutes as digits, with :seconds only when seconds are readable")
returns 3:03:27
